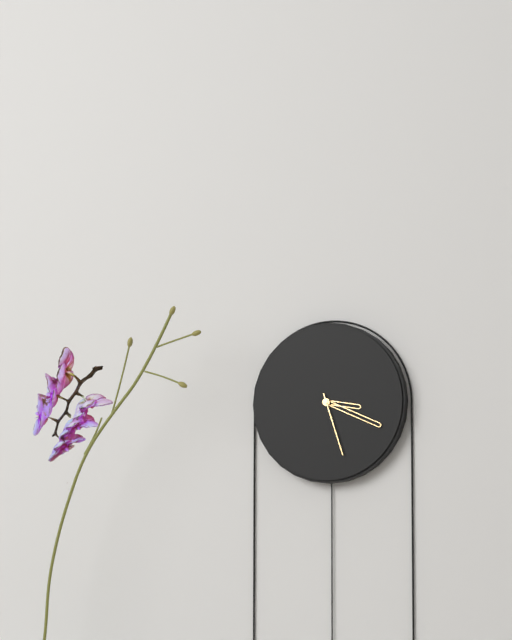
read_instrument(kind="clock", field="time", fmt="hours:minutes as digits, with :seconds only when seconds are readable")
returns 3:19:27
